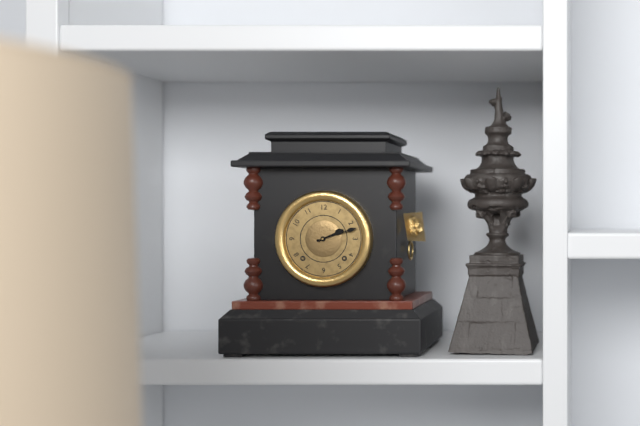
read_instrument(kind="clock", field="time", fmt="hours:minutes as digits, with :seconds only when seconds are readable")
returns 2:12
